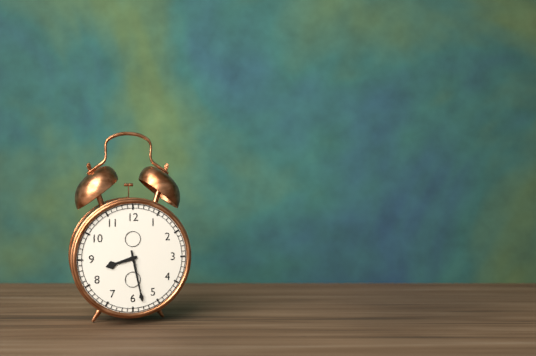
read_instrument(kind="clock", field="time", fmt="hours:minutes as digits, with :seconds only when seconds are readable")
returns 8:28
